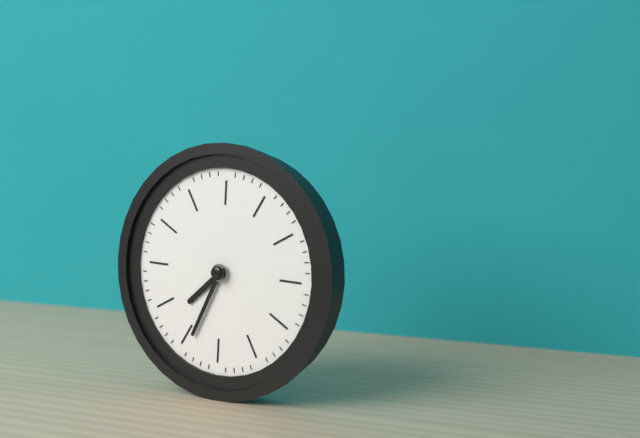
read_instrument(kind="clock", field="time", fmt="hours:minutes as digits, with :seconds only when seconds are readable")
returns 7:34
